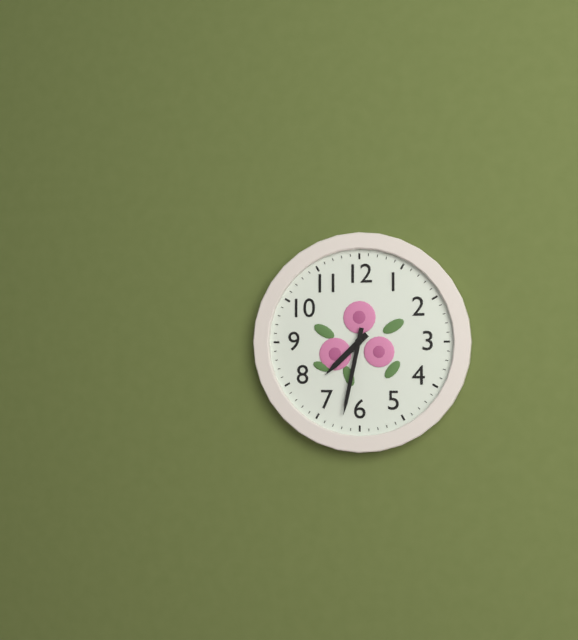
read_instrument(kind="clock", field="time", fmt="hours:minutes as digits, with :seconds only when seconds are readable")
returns 7:32
